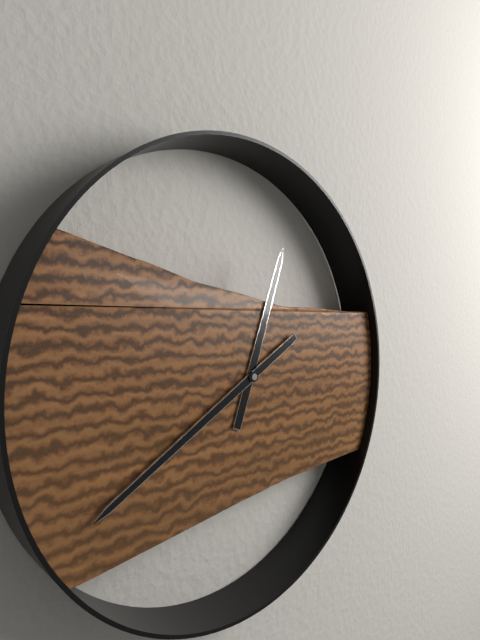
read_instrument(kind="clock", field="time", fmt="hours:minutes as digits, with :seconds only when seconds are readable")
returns 12:40
